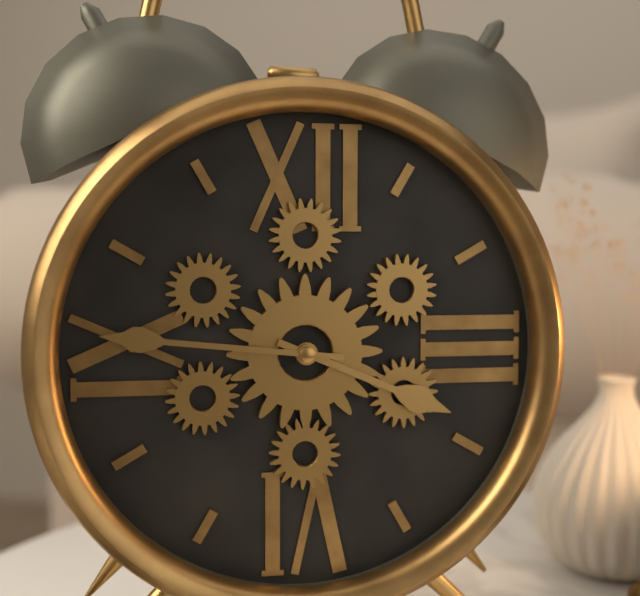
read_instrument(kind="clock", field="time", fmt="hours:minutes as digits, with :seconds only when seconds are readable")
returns 3:46
